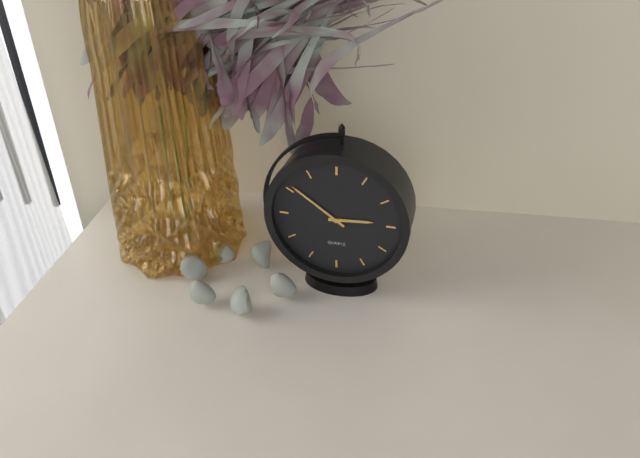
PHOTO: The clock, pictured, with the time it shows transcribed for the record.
2:51
